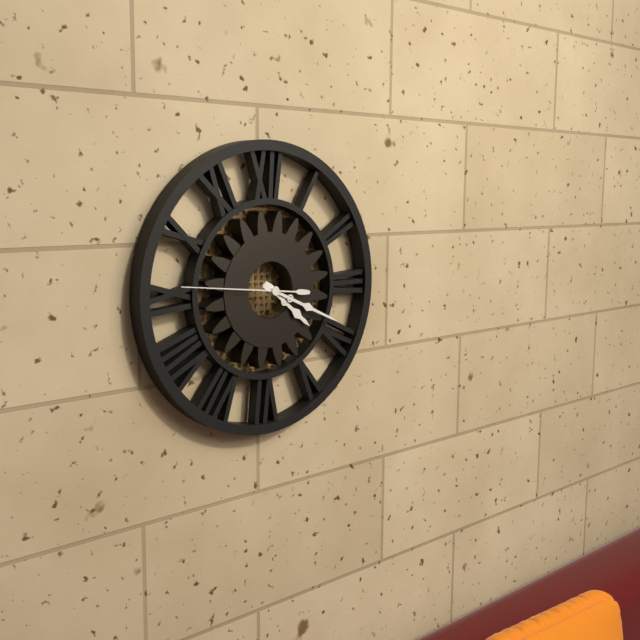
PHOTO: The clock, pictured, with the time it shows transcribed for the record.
4:19:46
